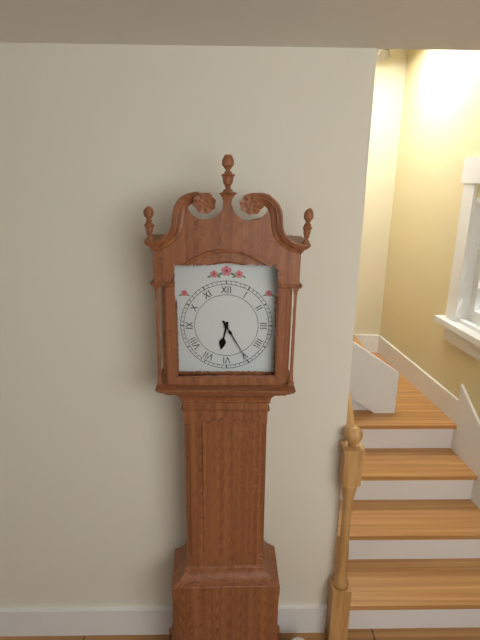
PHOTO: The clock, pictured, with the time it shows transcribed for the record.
6:25
